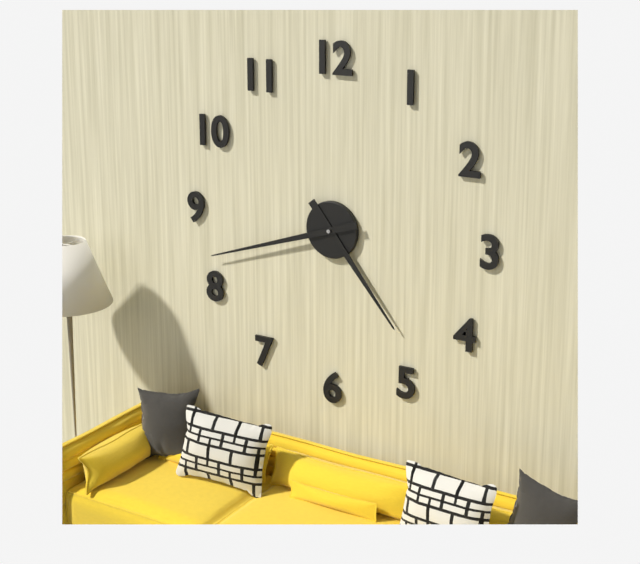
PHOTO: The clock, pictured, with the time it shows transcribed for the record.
4:42
